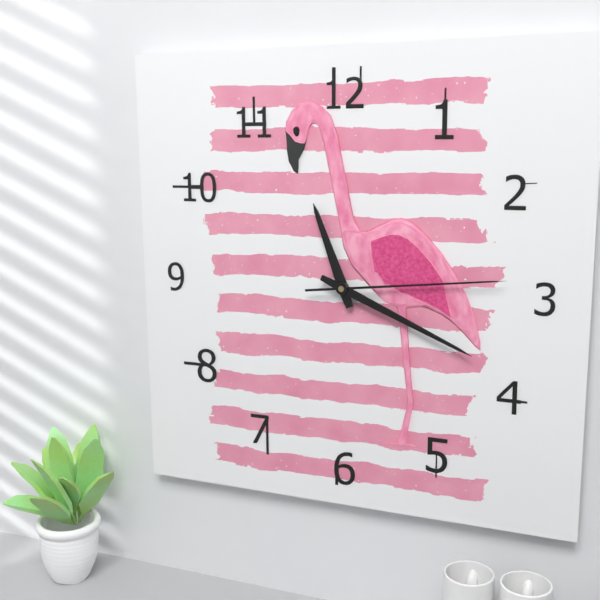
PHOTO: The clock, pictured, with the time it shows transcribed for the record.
11:19:14
